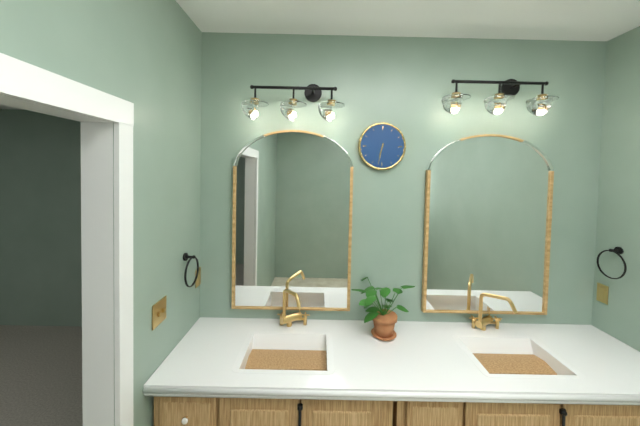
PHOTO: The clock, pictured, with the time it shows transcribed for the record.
6:32
